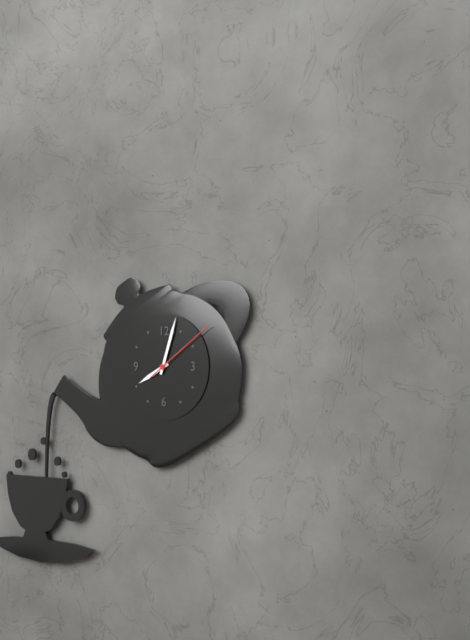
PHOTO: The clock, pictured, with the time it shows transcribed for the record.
8:03:09
